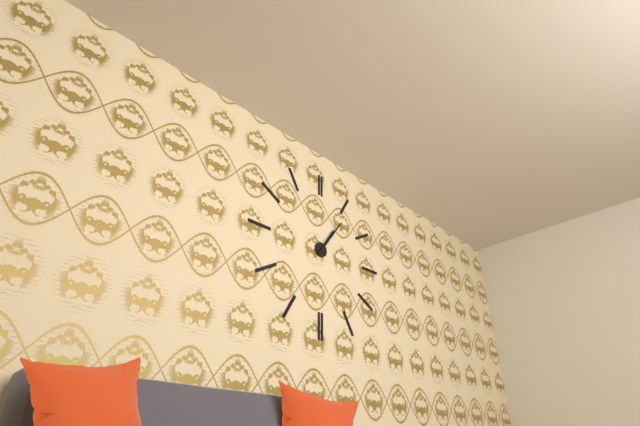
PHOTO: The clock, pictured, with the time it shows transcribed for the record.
1:06
